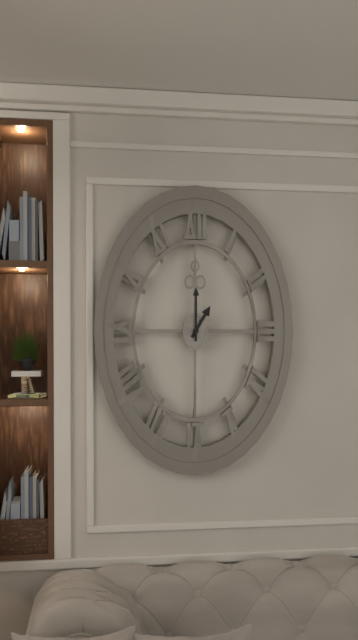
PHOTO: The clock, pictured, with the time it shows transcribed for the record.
1:00
